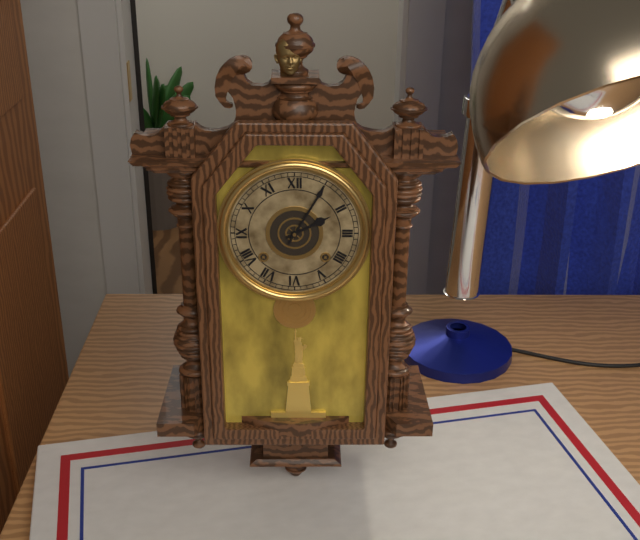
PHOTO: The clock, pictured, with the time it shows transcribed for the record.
2:05
